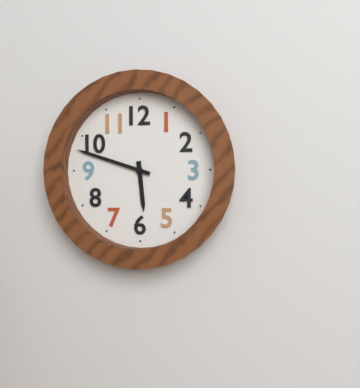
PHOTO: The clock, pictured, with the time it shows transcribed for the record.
5:48
